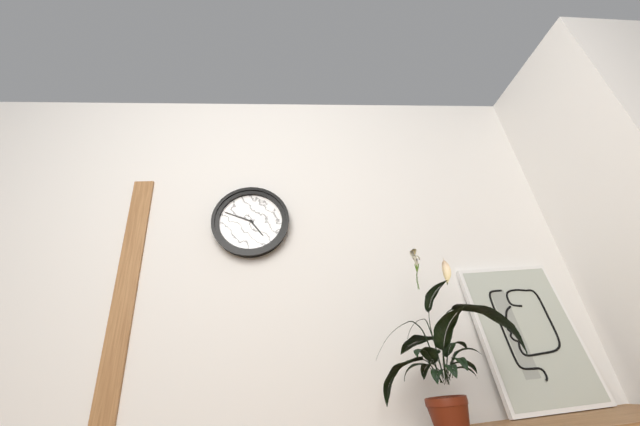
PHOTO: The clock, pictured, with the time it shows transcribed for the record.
4:49
